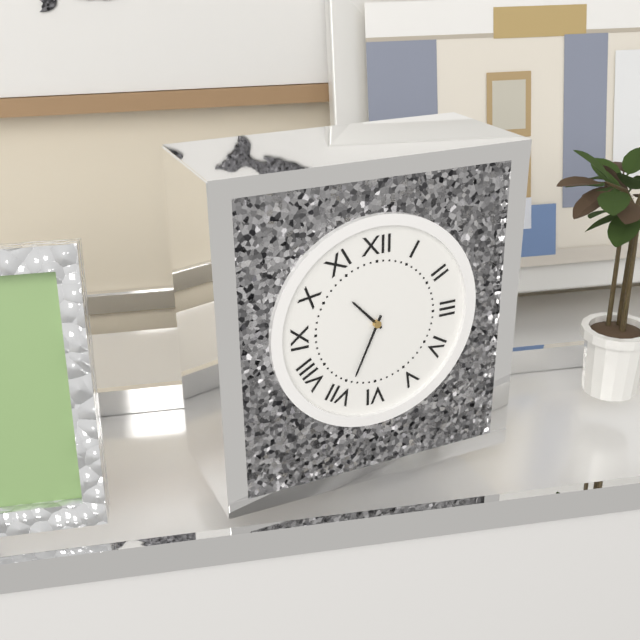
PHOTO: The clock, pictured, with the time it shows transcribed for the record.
10:34
